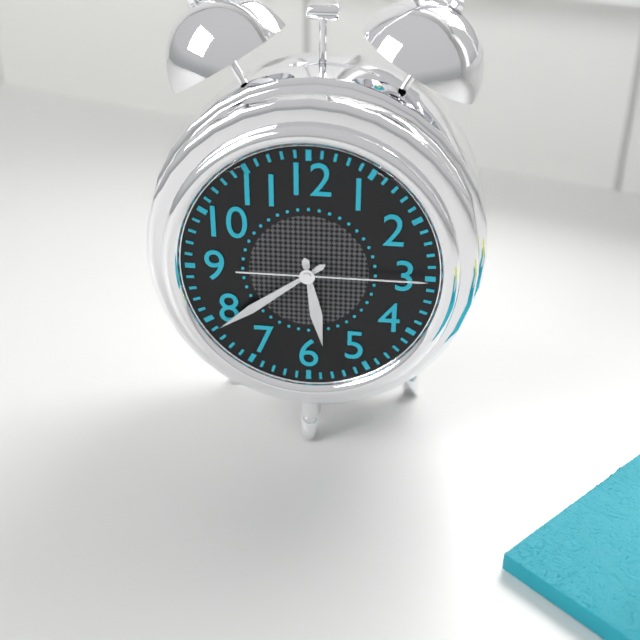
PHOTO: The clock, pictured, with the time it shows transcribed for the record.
5:39:15
